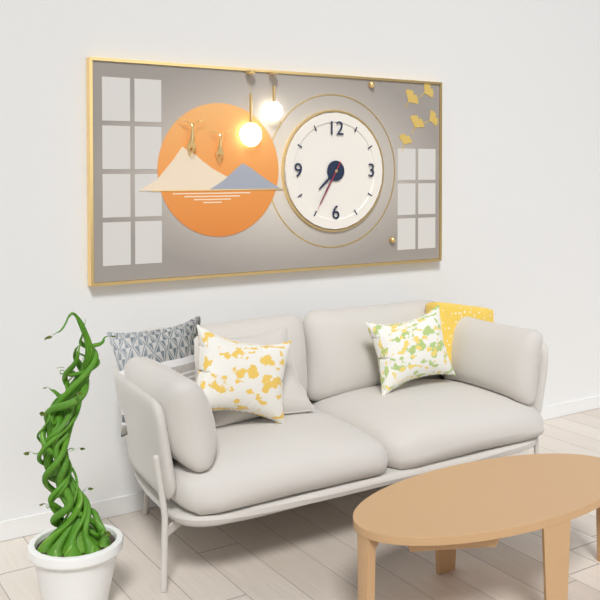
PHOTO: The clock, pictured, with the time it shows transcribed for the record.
7:35:35
